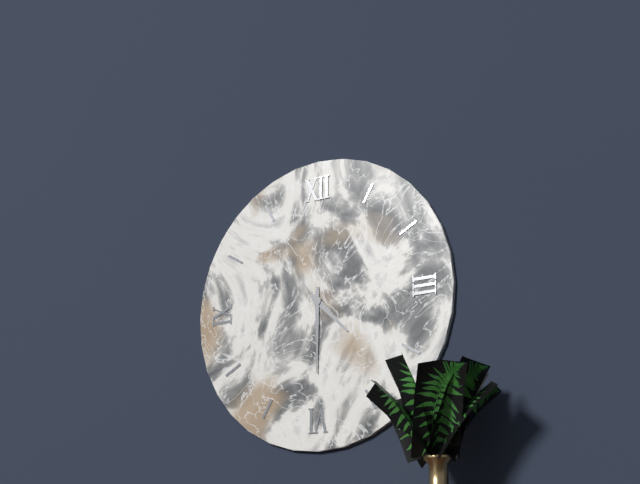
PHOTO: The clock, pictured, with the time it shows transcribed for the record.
4:30
